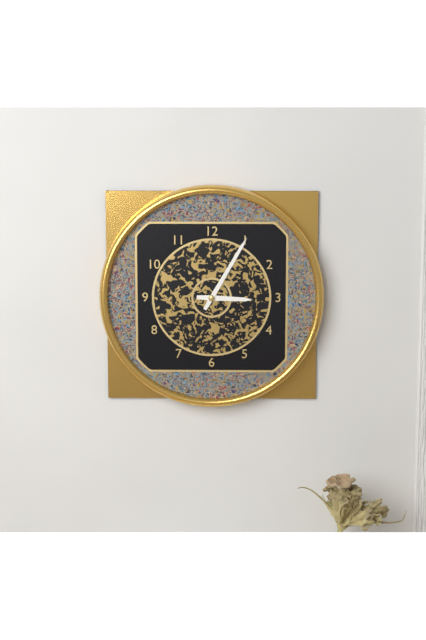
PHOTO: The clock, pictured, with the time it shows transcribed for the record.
3:05
